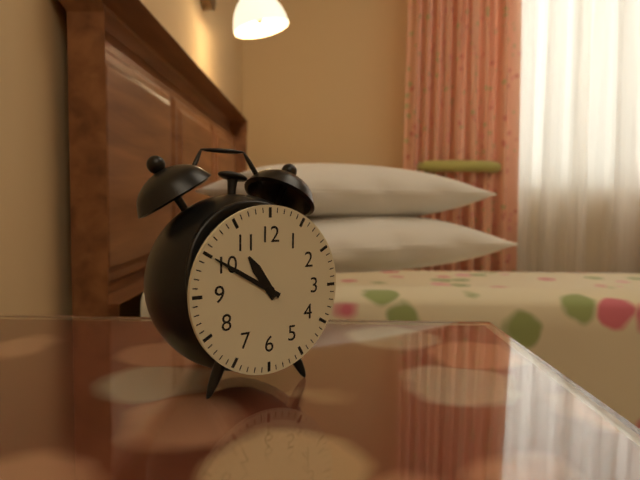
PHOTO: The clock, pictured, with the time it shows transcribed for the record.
10:50
